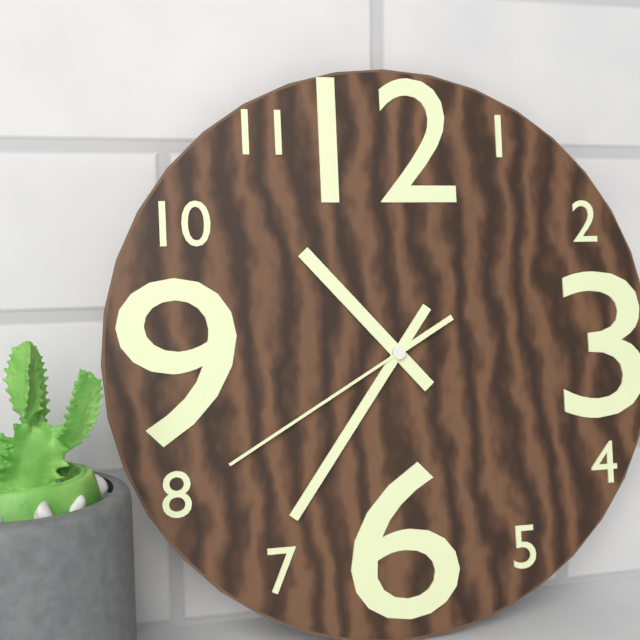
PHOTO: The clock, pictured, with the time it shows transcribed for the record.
10:36:40
